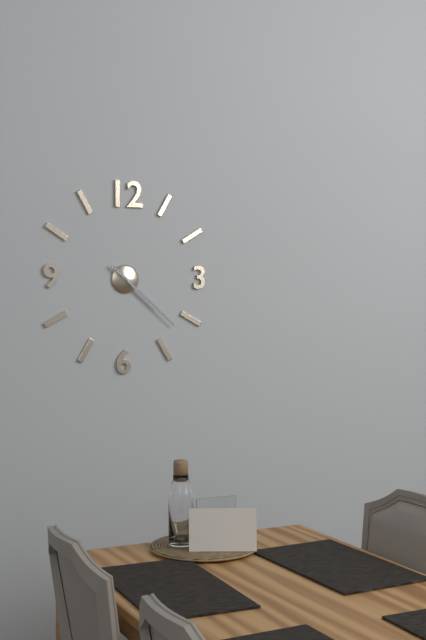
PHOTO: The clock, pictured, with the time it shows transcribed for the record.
4:22
